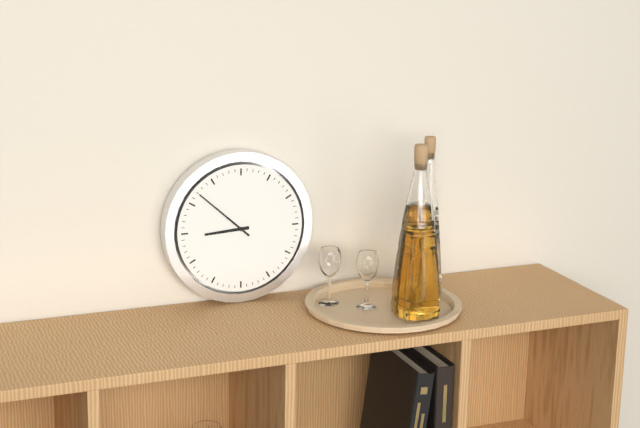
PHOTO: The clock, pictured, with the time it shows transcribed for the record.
8:52
